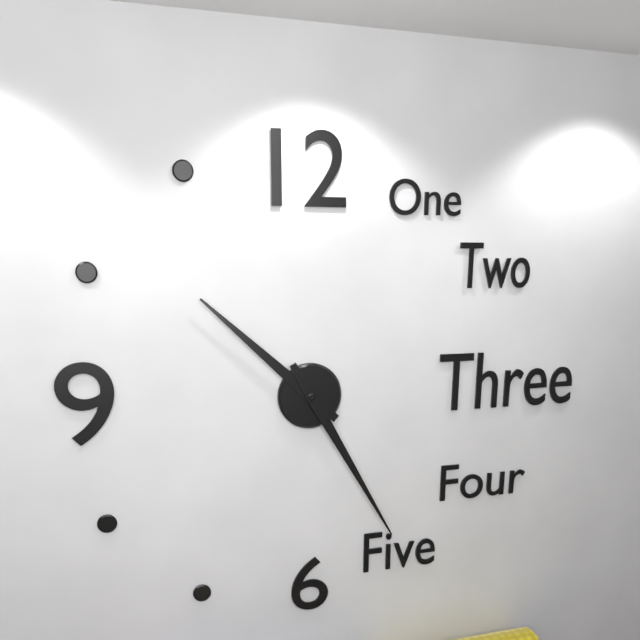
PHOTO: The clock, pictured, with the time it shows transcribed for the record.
10:25
